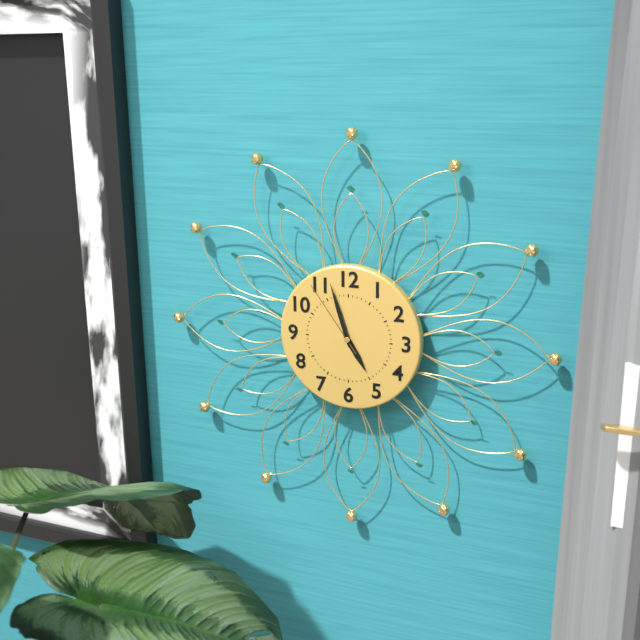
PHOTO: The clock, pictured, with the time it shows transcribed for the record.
4:57:54
